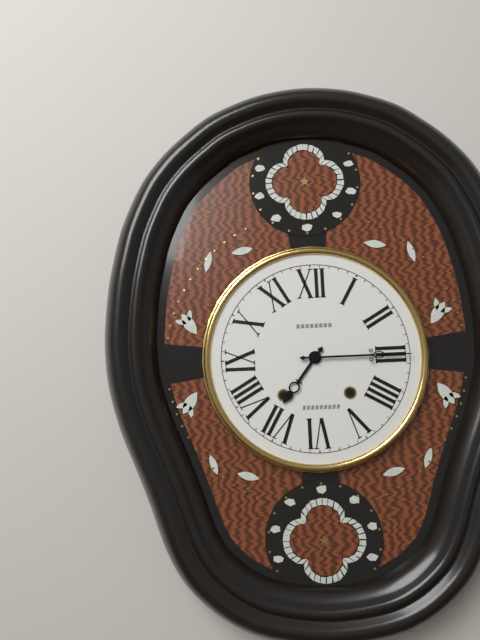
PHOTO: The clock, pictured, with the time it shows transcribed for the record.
7:15
